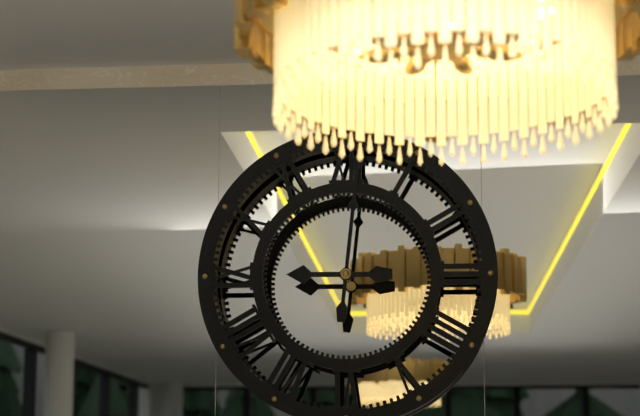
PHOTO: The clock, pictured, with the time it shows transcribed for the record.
9:01
